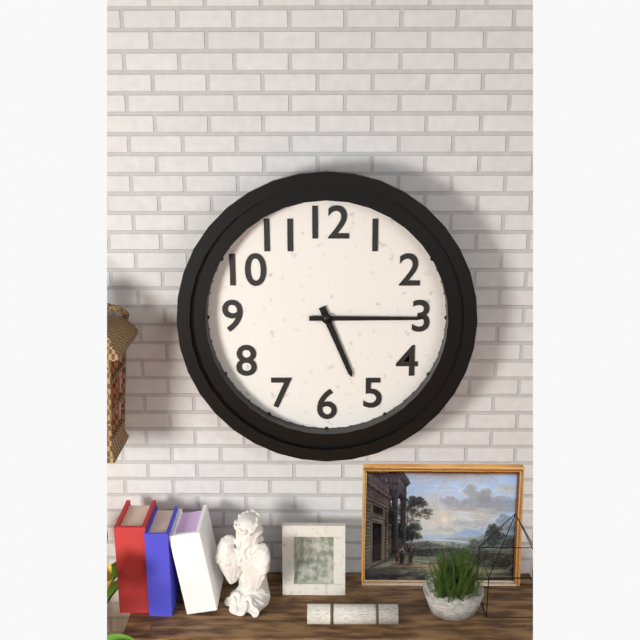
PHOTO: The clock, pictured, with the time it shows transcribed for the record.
5:15
